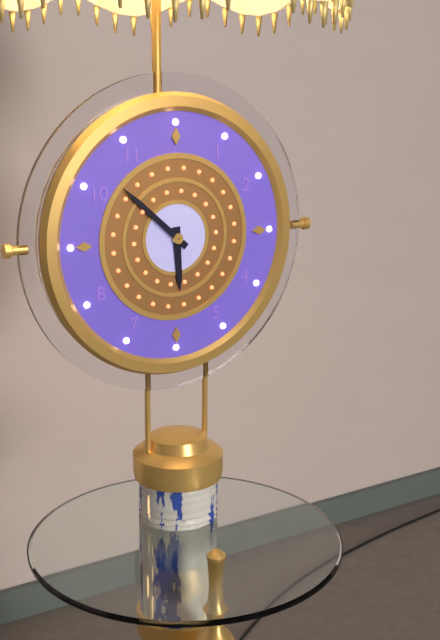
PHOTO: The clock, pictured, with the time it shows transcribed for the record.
5:52
